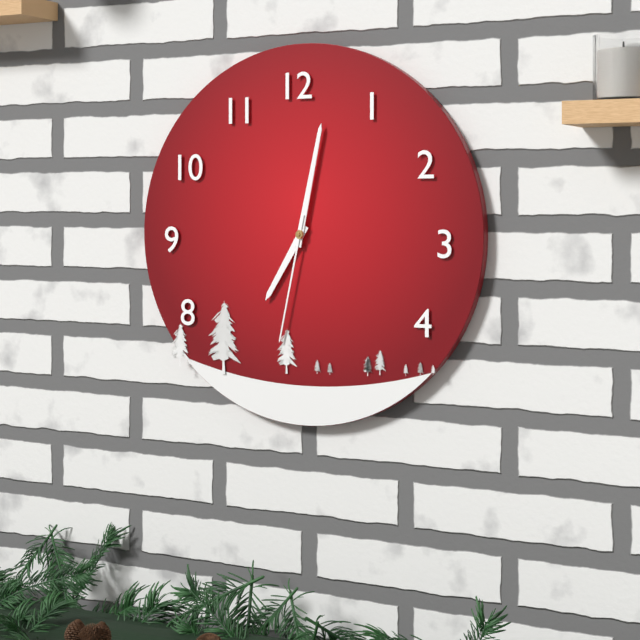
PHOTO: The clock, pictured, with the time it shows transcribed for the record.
7:02:32
